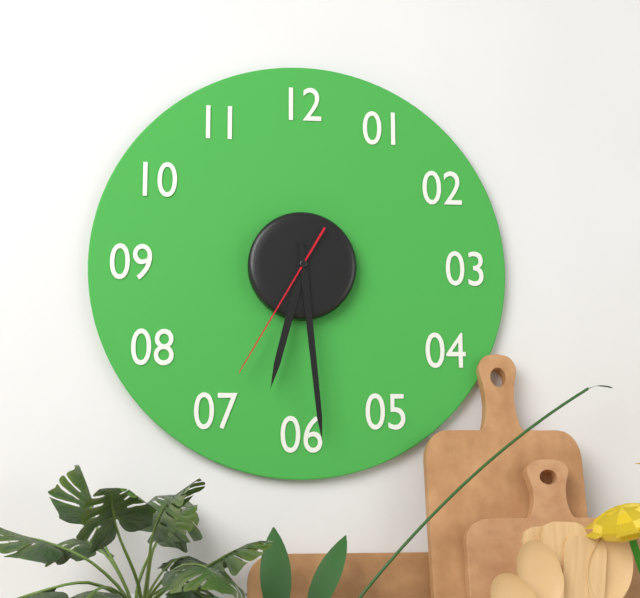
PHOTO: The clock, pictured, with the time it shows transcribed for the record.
6:29:35
